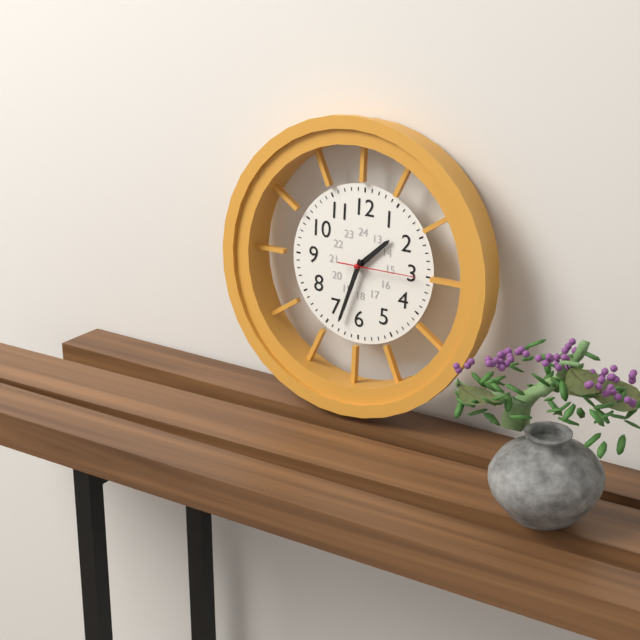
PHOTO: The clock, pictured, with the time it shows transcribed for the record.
1:33:15
